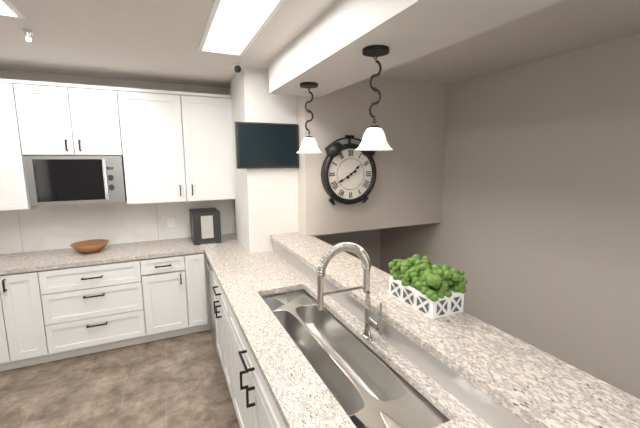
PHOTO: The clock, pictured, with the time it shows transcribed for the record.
1:40
